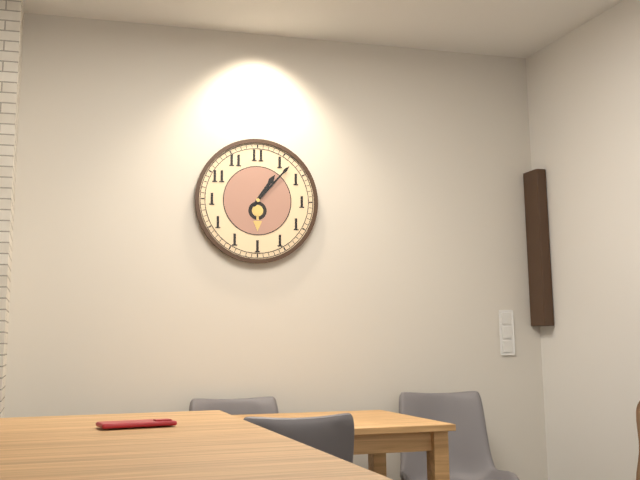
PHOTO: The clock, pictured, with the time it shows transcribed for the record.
1:07
